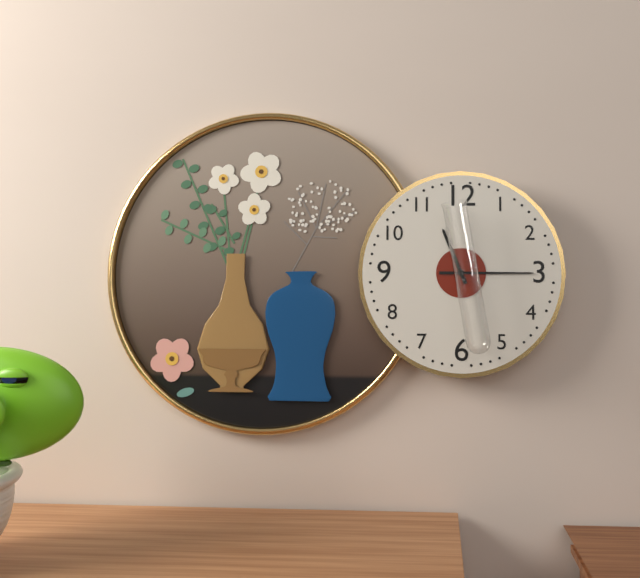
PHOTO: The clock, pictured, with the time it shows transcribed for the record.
11:15
